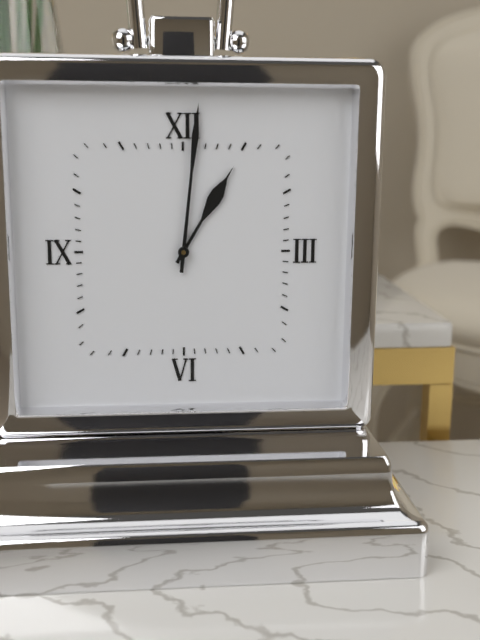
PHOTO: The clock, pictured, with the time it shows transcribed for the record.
1:01
